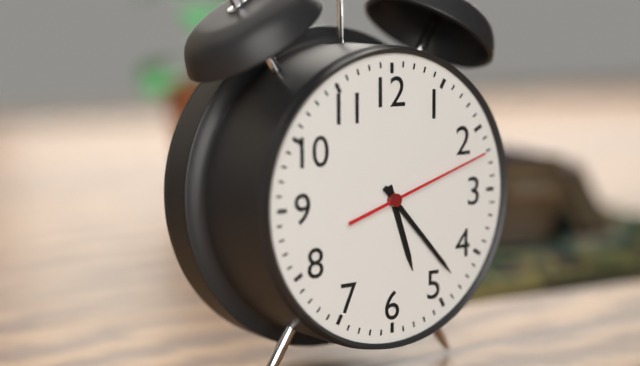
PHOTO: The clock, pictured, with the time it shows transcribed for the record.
5:23:12
